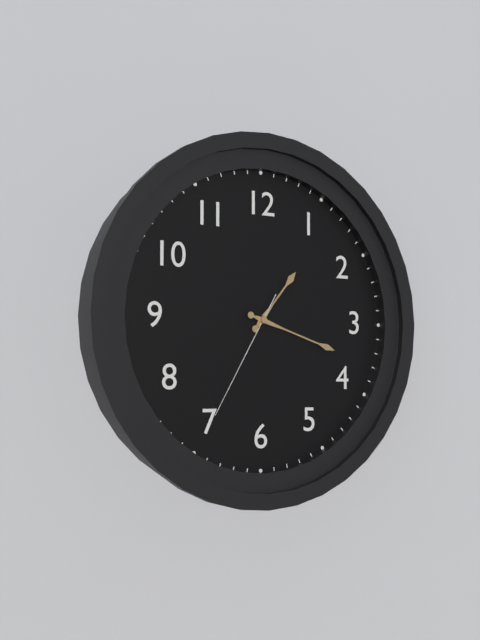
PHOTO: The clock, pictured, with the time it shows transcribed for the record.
1:18:35
